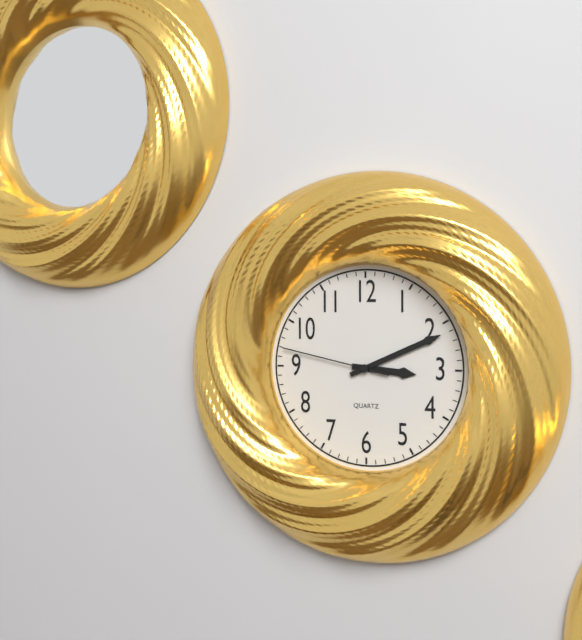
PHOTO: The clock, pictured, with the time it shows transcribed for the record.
3:11:47
